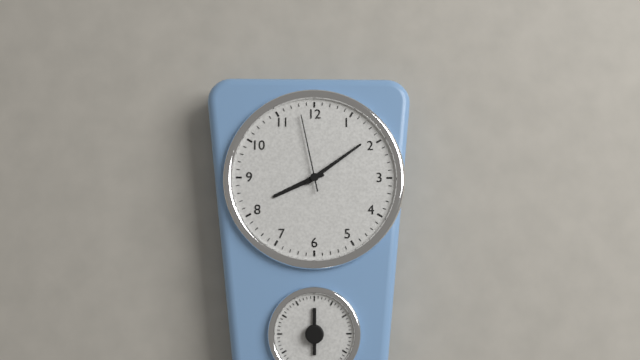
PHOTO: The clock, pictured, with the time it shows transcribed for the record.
8:09:58
